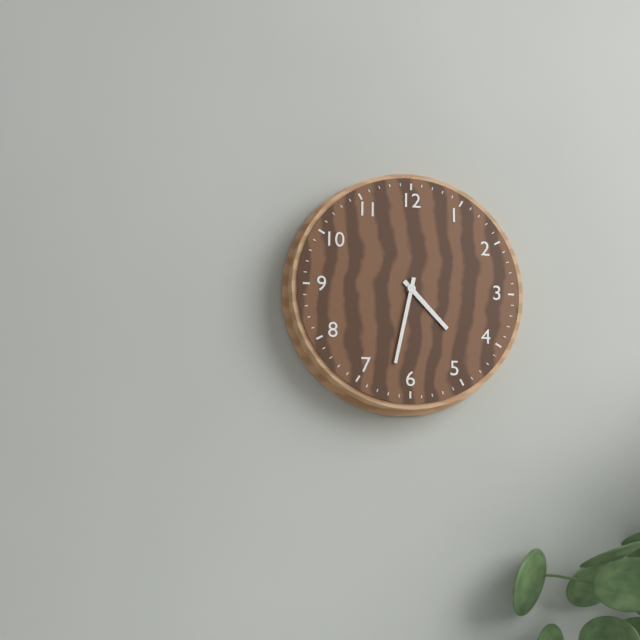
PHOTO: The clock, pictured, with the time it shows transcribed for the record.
4:32
